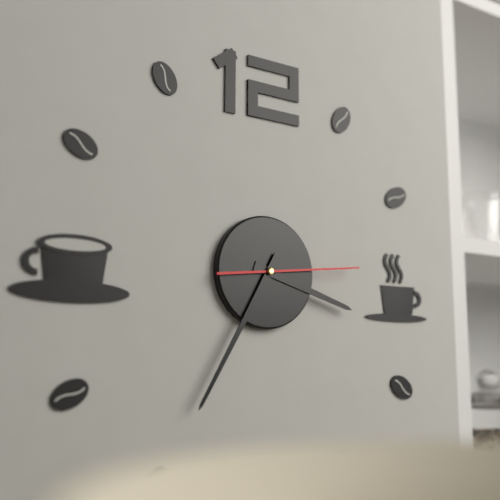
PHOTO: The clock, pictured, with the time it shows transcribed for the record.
3:35:14
